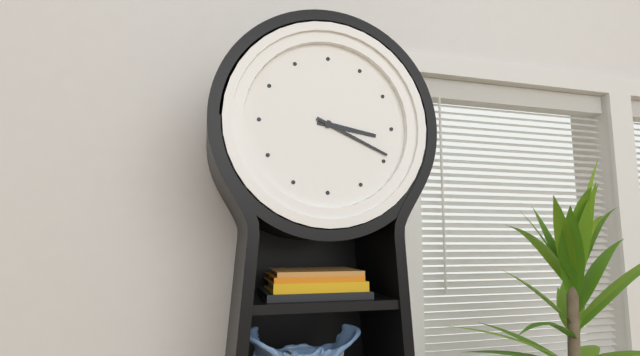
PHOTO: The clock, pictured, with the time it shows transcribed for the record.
3:19
